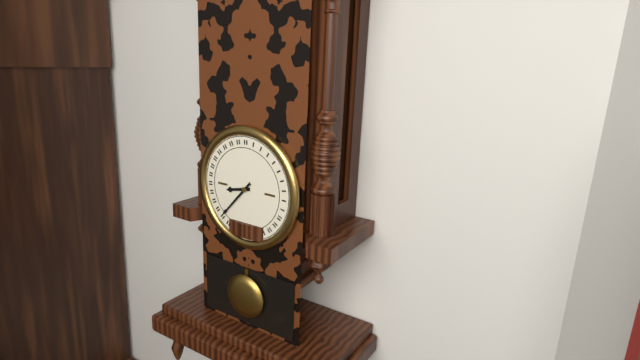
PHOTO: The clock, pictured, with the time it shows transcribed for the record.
8:37
